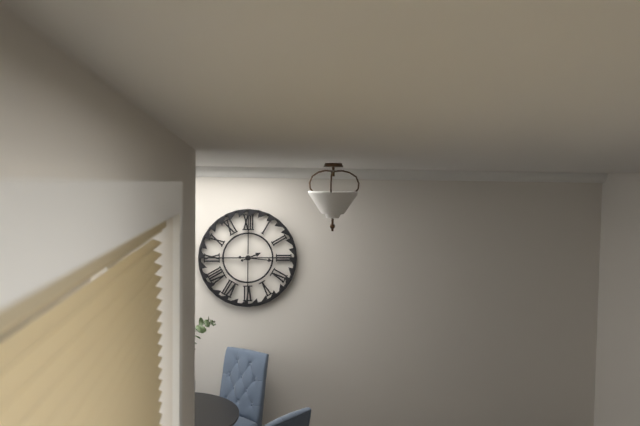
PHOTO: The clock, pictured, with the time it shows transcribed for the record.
2:16
